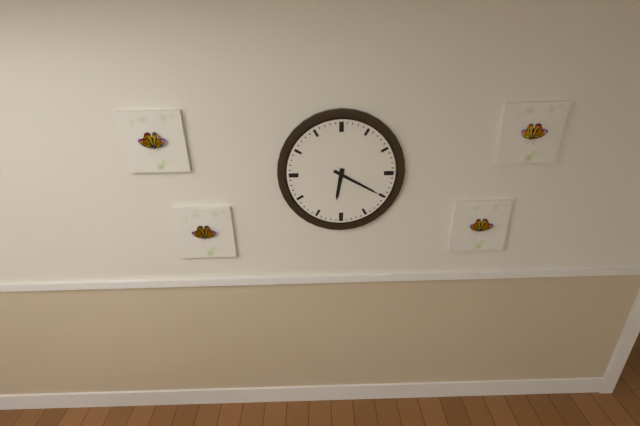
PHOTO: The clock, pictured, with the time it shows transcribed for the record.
6:20
